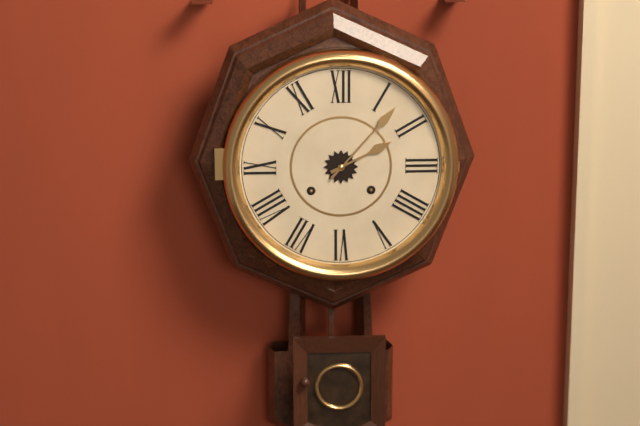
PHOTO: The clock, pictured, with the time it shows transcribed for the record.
2:07
